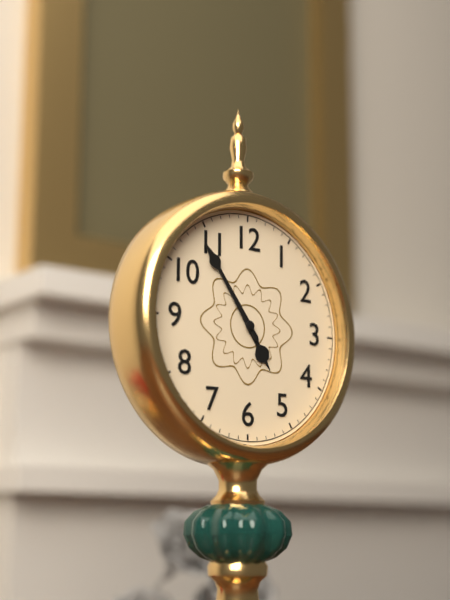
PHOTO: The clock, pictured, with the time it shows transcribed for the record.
4:54
